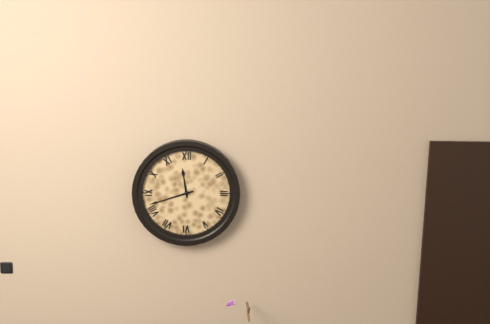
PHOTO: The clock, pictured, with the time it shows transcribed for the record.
11:42
